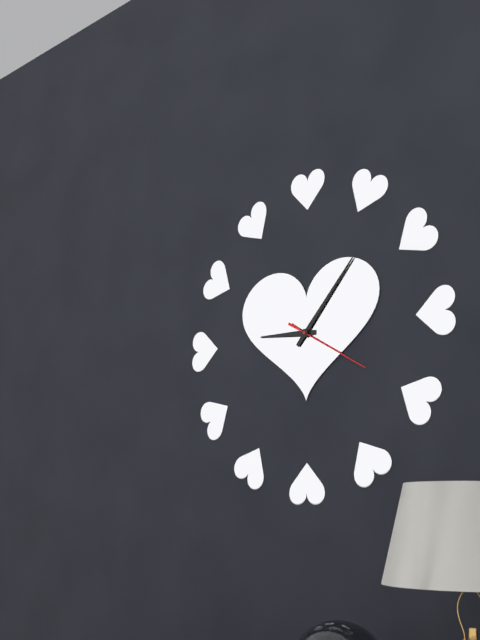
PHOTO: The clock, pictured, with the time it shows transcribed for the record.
9:07:20
